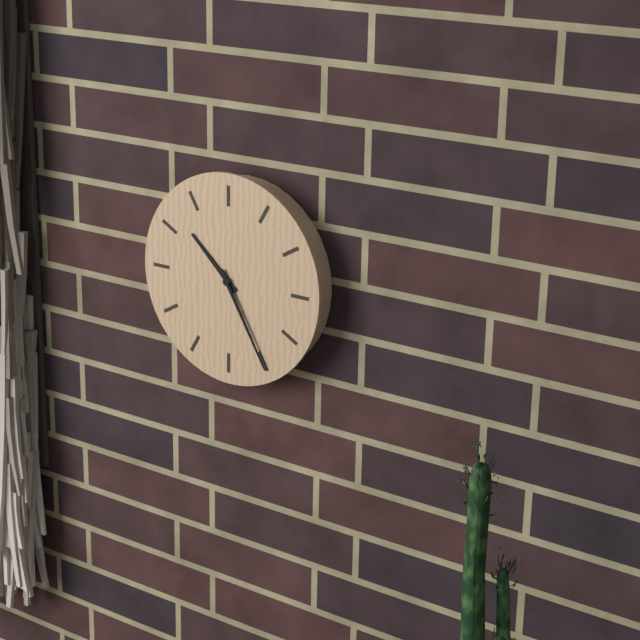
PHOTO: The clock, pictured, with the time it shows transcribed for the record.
10:25
